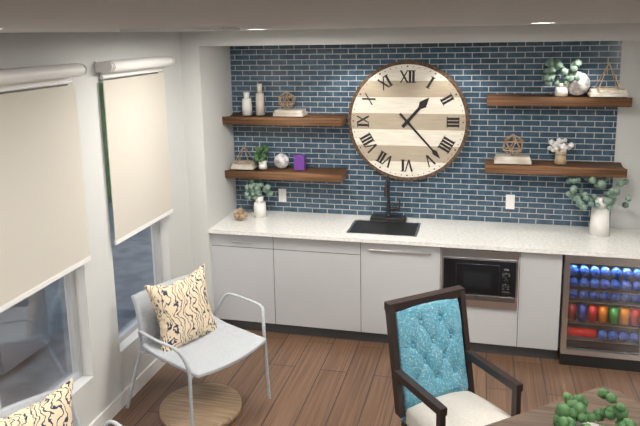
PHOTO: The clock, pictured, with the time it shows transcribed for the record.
1:23
